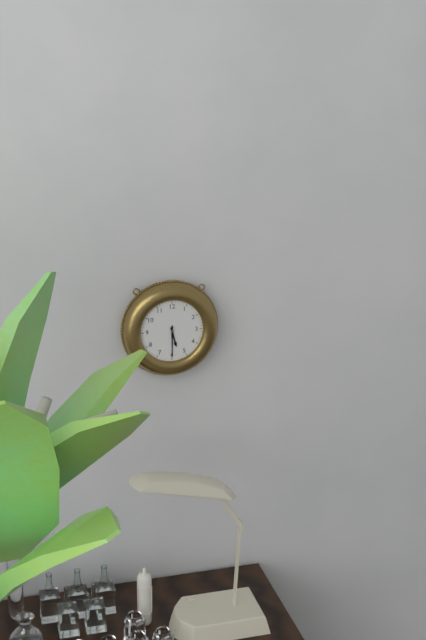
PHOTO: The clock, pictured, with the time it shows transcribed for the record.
5:30
